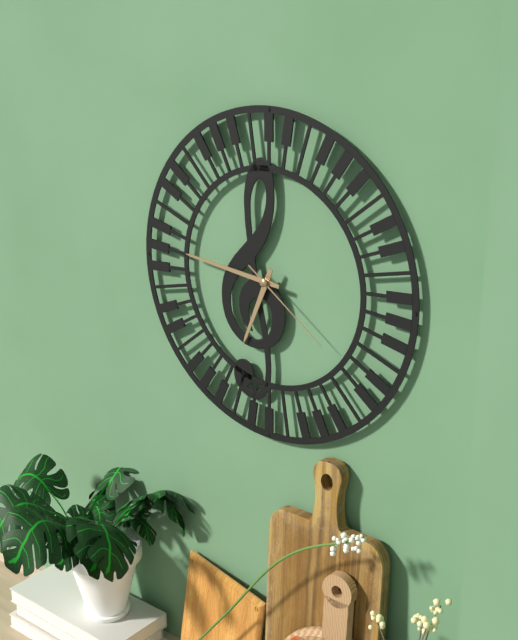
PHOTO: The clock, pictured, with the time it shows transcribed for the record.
6:46:21
